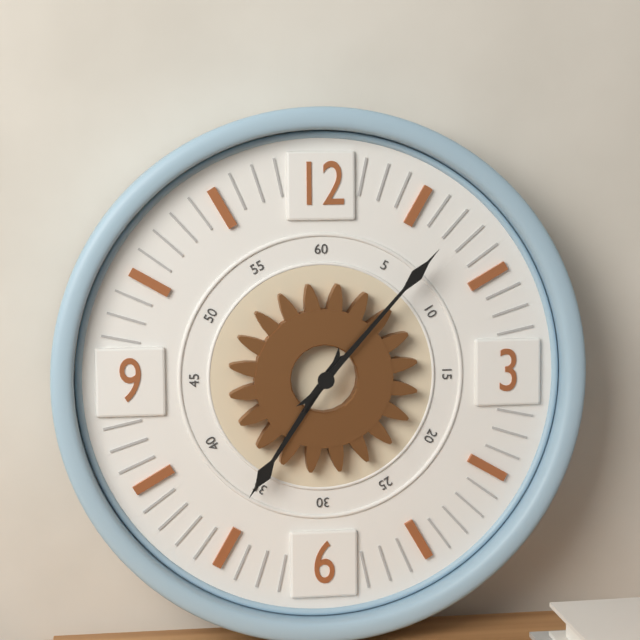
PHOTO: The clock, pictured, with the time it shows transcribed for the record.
7:07
